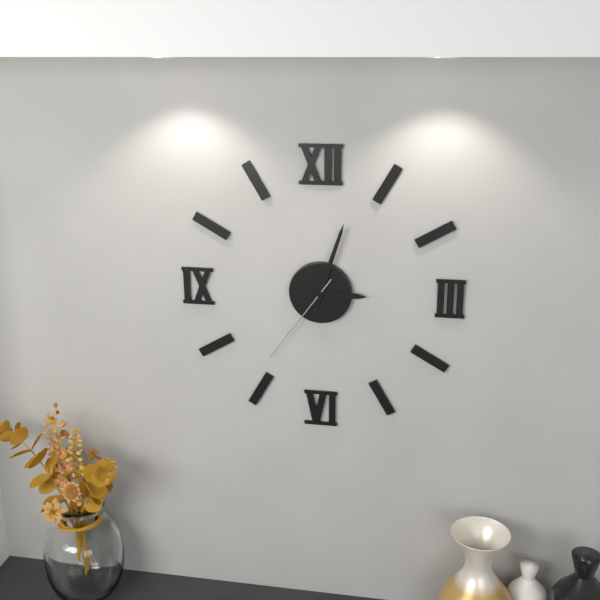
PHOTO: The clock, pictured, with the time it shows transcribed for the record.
3:03:36
